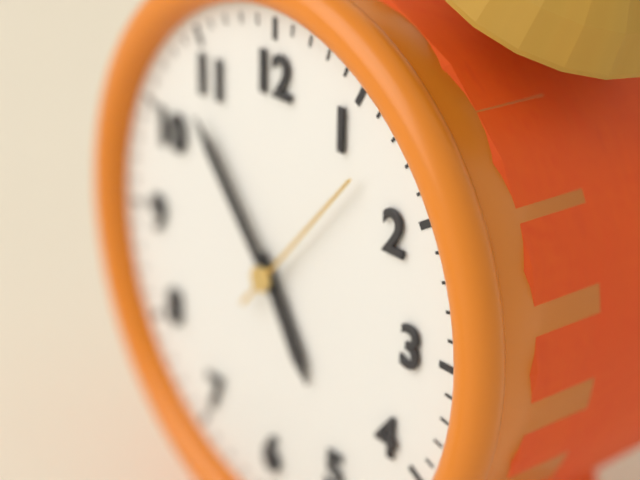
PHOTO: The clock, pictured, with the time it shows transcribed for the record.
4:53:07
